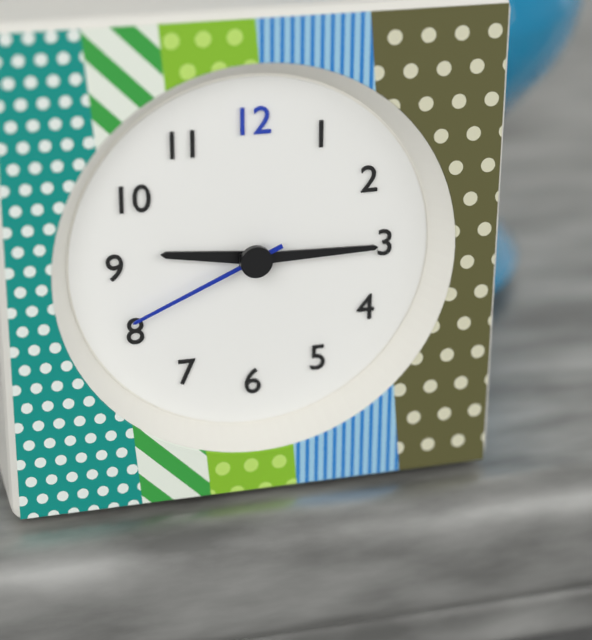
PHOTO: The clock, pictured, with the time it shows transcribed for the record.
9:15:41
